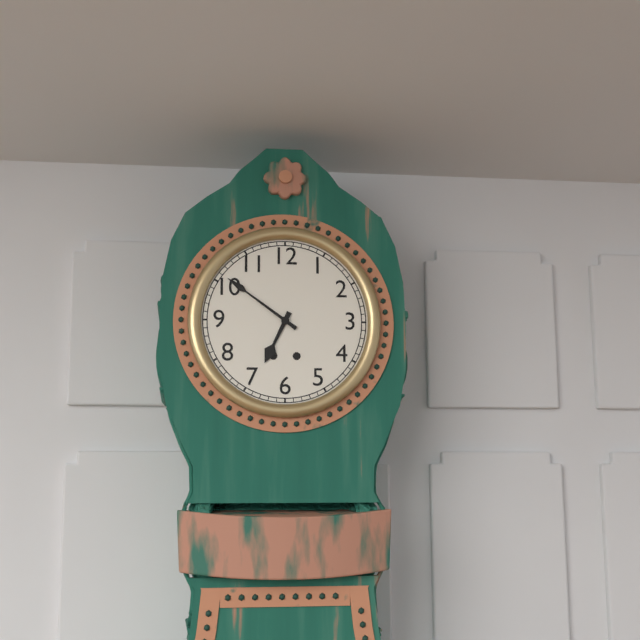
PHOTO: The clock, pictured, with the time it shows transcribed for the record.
6:51
